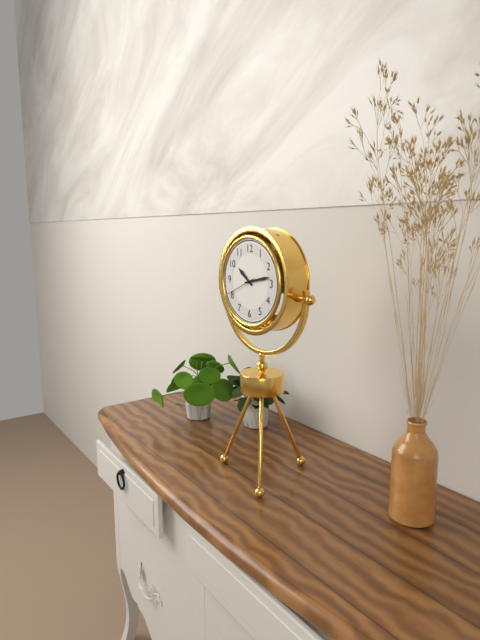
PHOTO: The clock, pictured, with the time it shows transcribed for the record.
10:13
